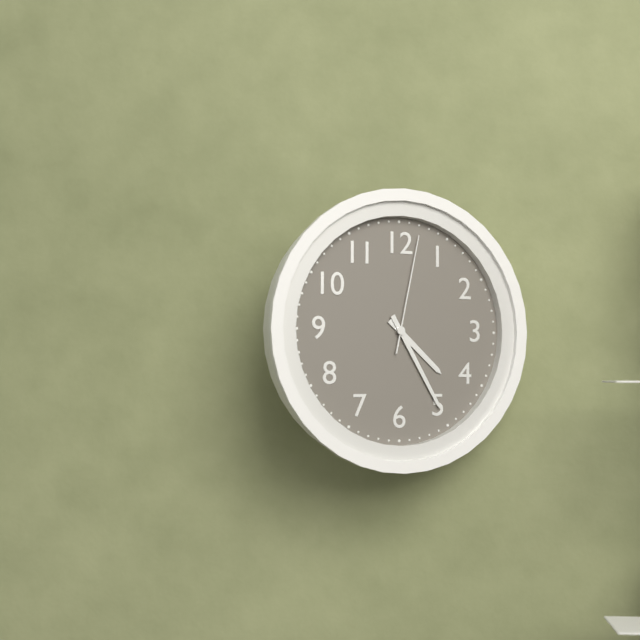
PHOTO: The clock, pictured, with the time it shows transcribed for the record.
4:25:02
